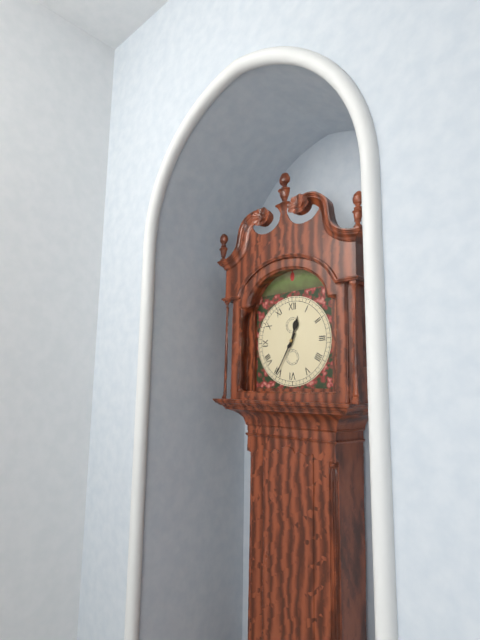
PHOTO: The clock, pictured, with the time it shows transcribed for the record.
12:35
